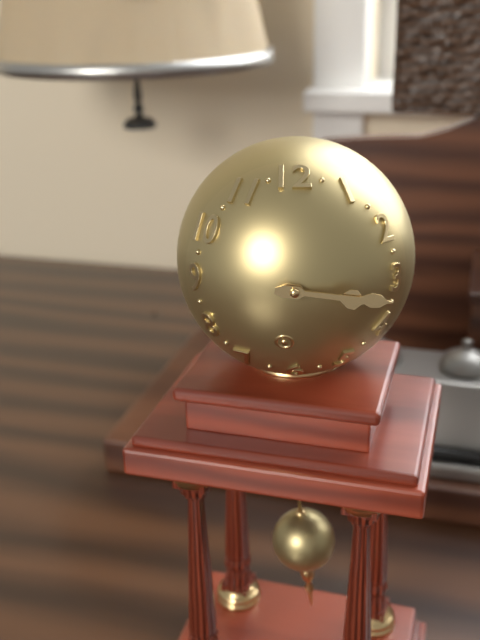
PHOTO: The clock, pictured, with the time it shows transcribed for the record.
3:16
